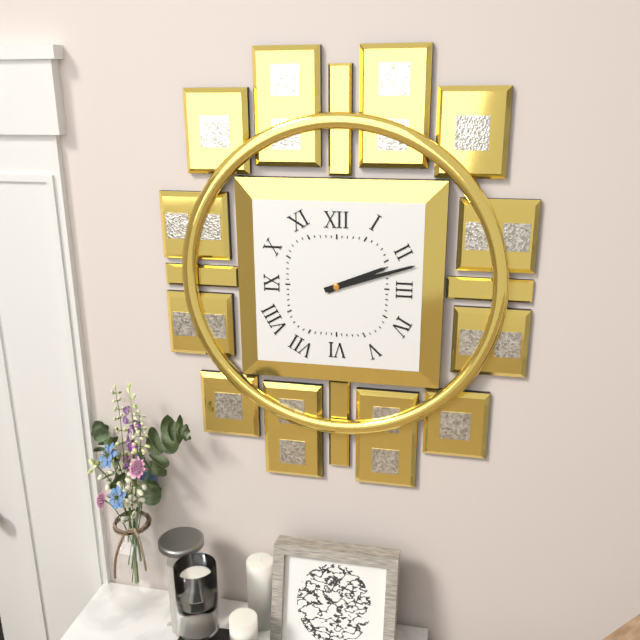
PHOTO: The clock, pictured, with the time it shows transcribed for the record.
2:12
